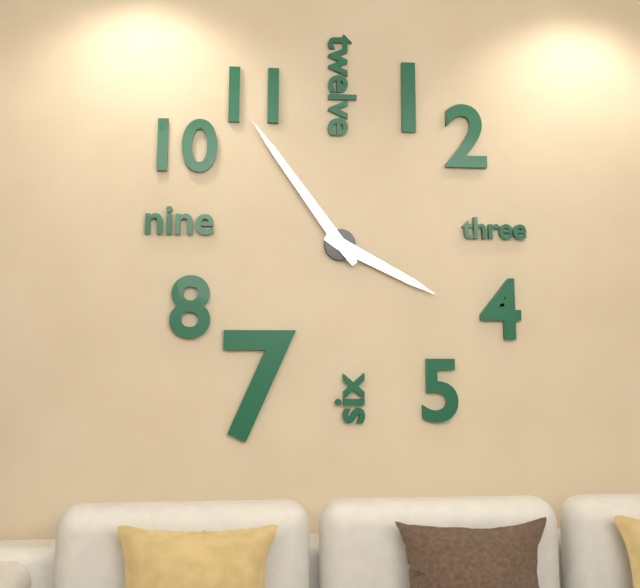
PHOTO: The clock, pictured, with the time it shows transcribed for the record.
3:54
